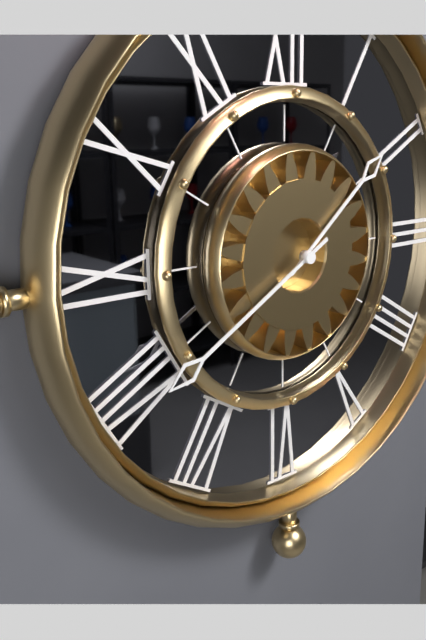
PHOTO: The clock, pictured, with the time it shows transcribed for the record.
1:40
